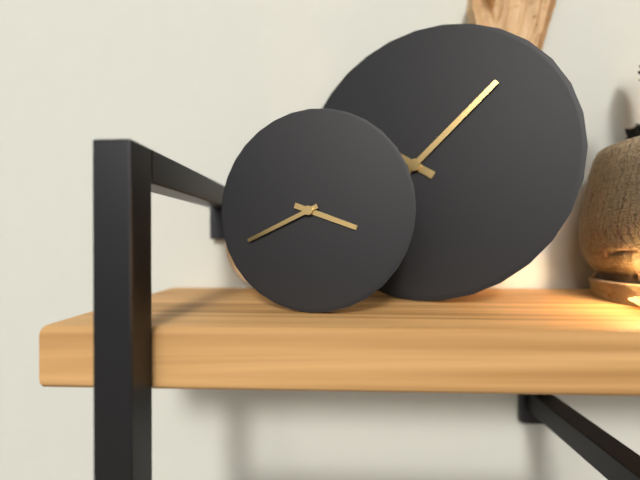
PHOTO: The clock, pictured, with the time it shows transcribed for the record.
3:41
